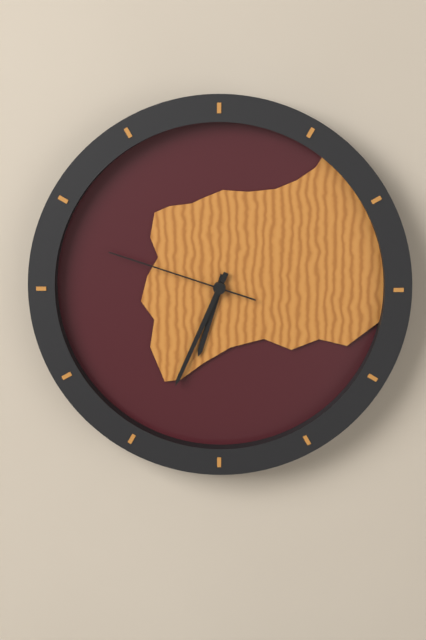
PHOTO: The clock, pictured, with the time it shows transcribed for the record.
6:34:48
